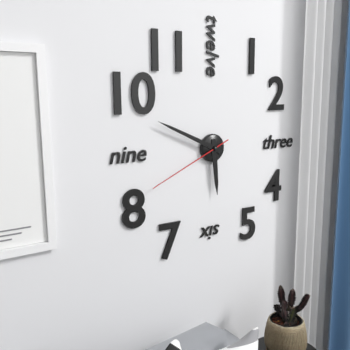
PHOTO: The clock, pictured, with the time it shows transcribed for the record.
5:49:41
